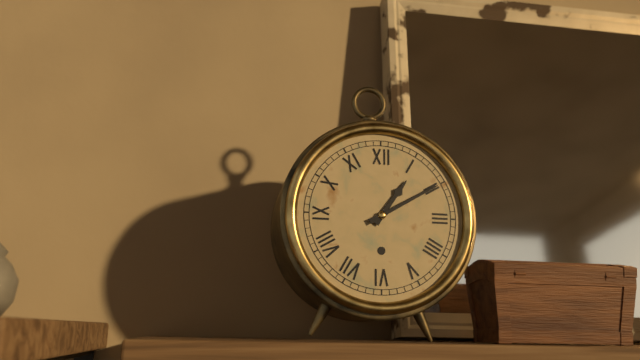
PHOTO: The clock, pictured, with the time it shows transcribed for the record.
1:10
